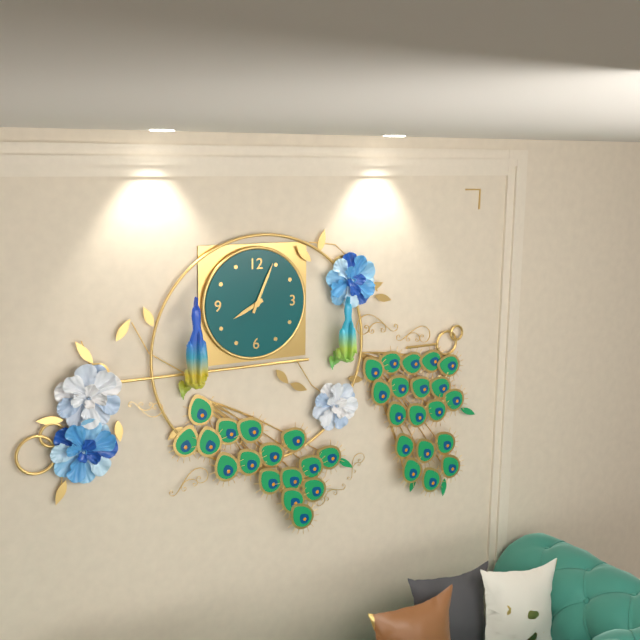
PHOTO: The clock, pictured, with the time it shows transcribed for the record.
8:04
